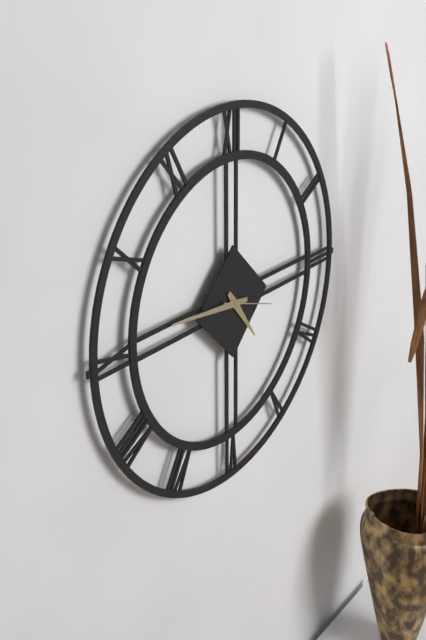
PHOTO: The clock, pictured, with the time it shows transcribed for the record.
4:46:18
